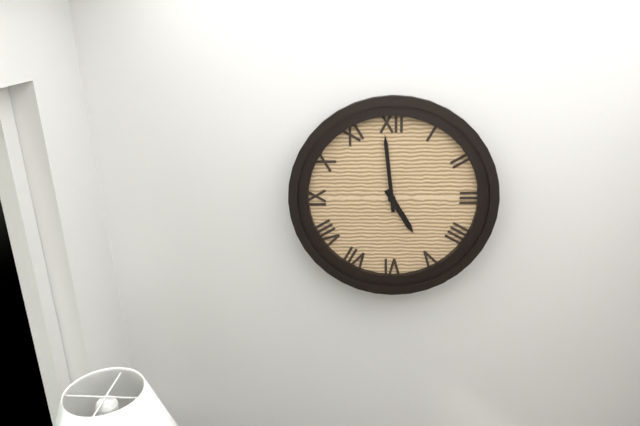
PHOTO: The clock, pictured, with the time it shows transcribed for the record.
4:59
